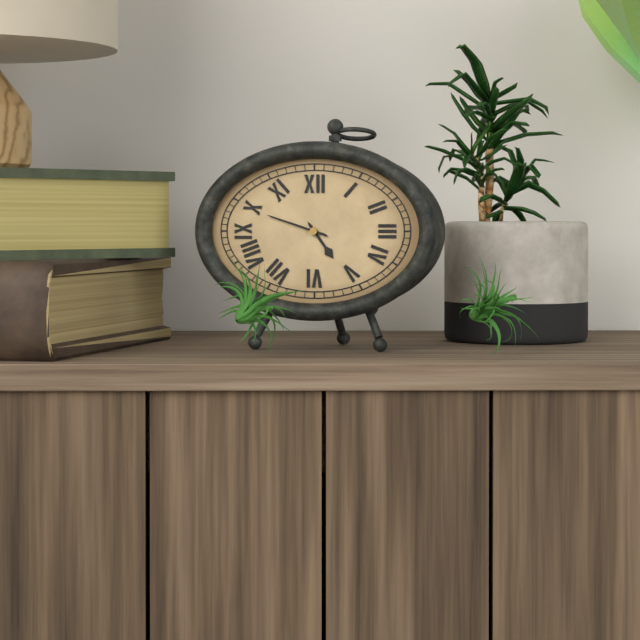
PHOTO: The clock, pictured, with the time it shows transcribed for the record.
4:48
